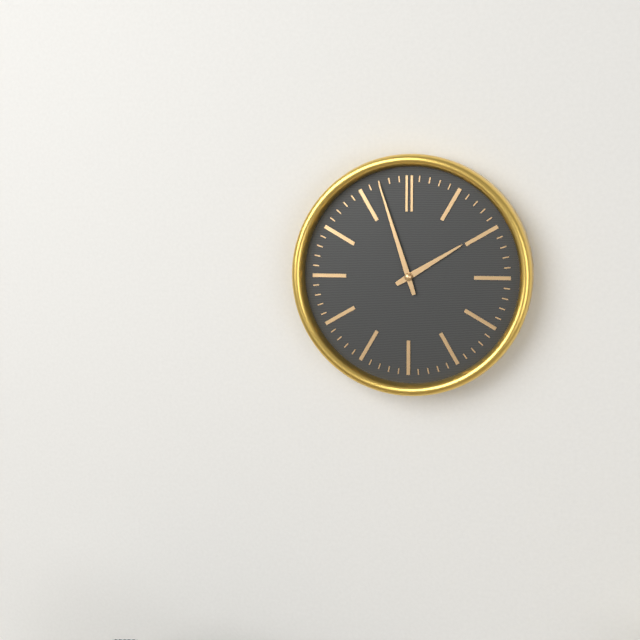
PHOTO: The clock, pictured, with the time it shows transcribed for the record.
1:57
